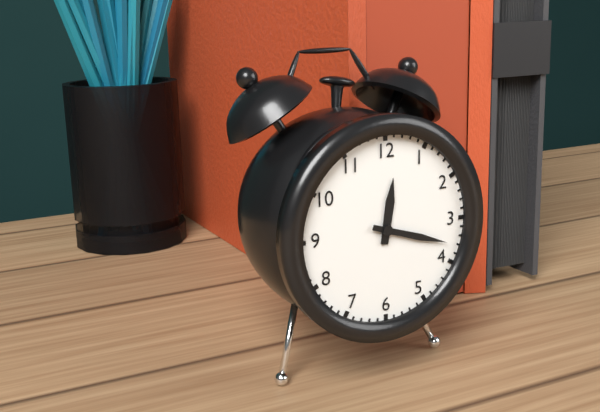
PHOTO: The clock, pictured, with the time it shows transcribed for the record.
12:18
